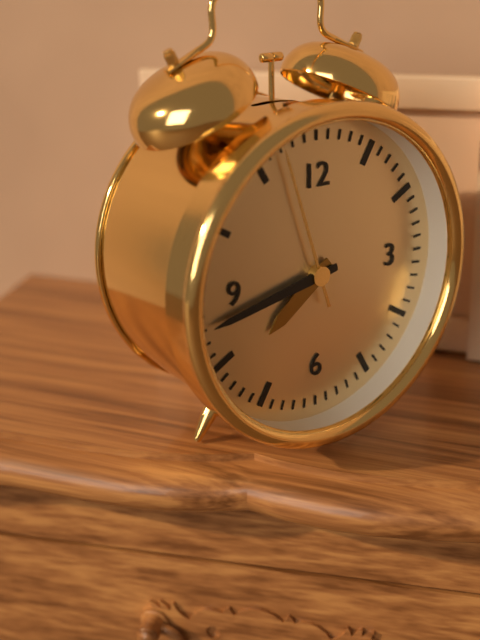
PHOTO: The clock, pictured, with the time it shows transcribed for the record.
7:43:57
